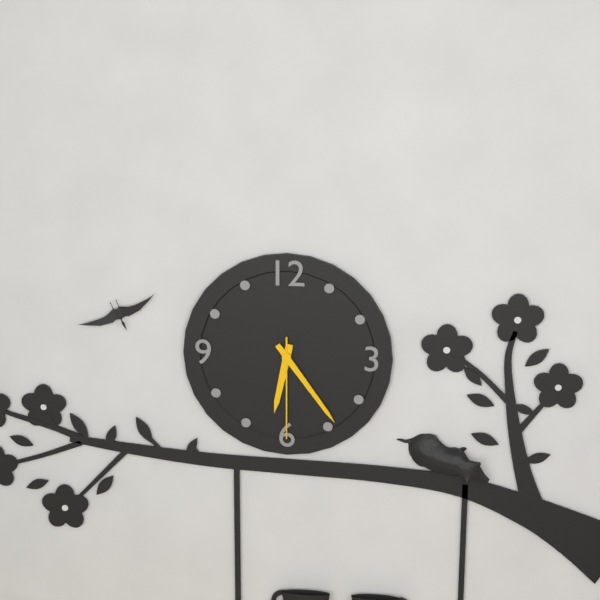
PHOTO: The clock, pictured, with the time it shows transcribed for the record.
6:24:30
